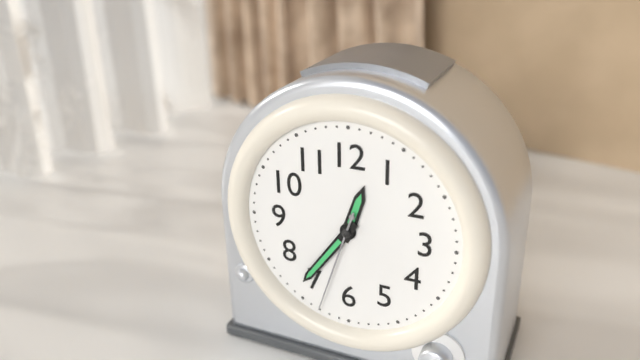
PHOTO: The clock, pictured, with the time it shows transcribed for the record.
12:36:33
